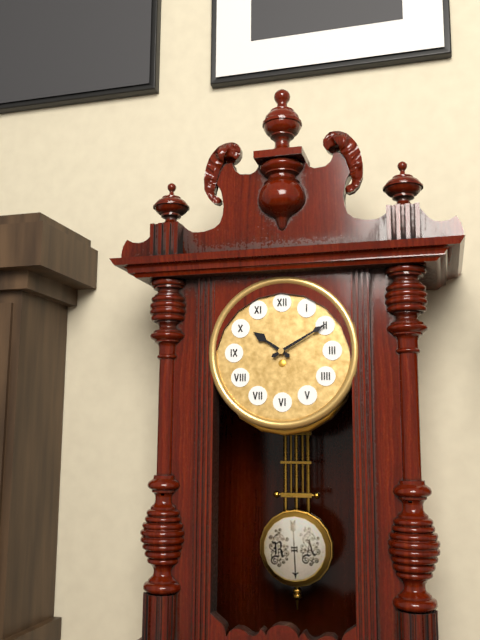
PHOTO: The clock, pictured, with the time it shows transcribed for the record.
10:10
